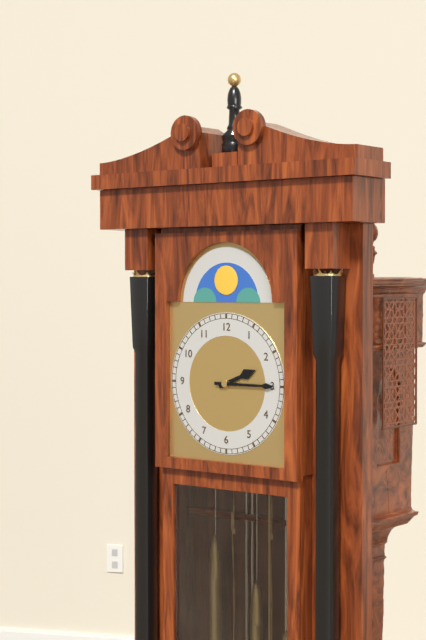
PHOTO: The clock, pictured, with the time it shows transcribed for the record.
2:15
